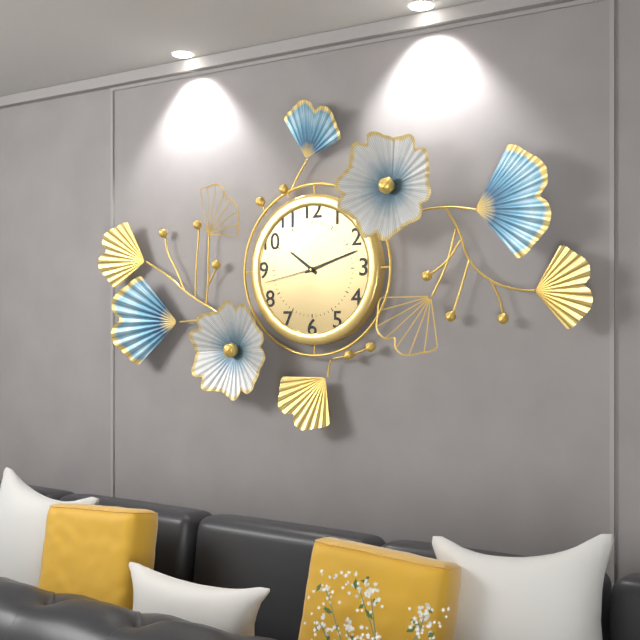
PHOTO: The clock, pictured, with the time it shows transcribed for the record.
10:12:43
